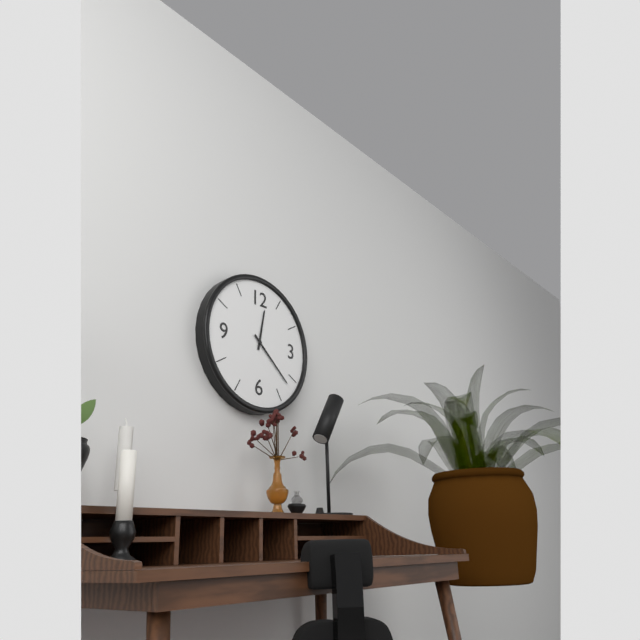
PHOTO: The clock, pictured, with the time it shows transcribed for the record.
12:22
